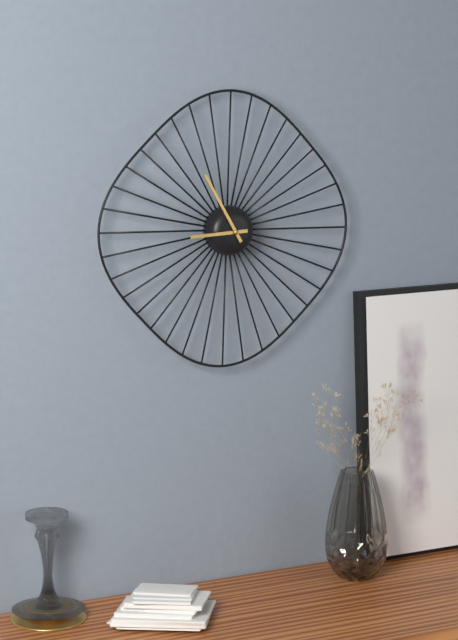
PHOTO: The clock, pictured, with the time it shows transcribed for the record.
8:55
